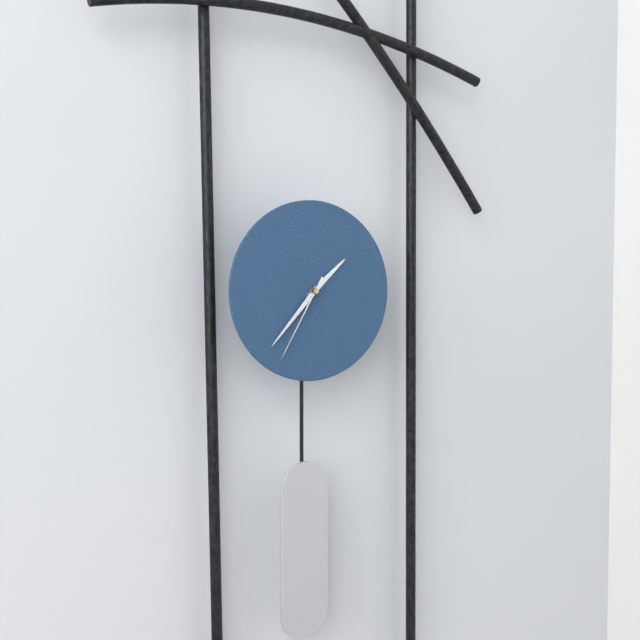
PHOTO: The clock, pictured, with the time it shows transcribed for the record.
1:37:35
